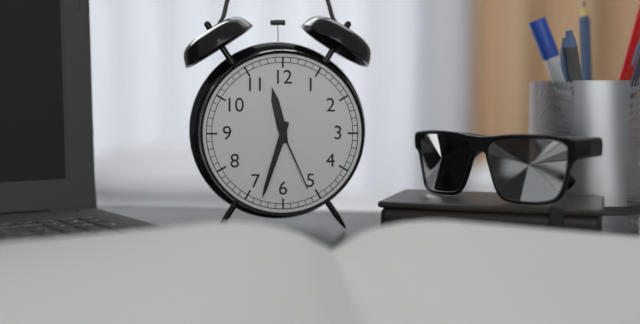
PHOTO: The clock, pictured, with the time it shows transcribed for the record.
11:33:26
